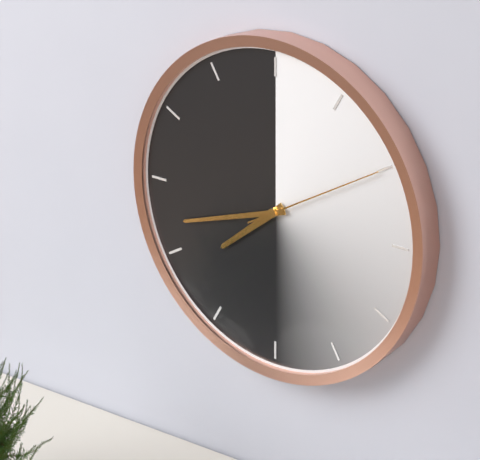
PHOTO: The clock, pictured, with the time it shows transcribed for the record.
7:42:10
